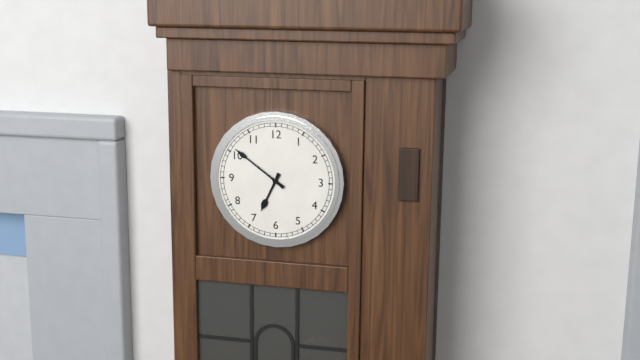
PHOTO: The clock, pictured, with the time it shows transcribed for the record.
6:51
